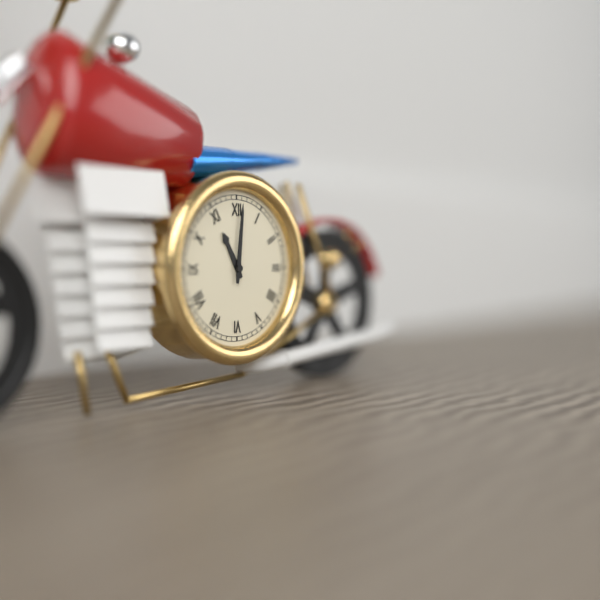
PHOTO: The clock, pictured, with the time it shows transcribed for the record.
11:01
